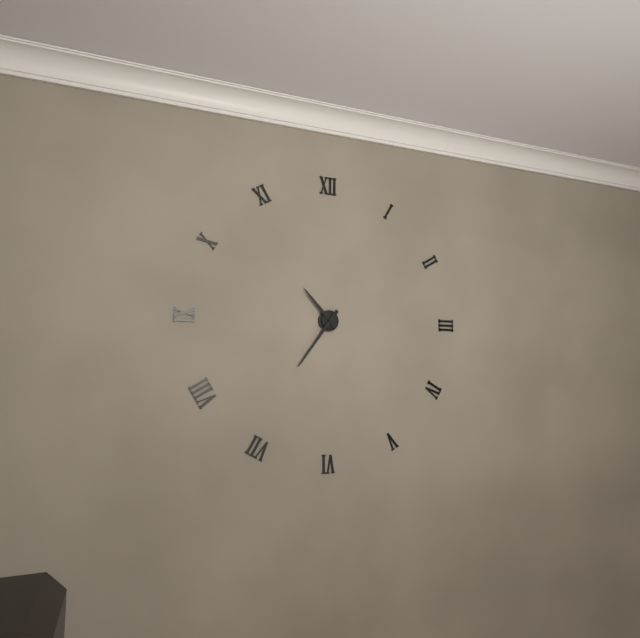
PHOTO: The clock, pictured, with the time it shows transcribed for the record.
10:36
